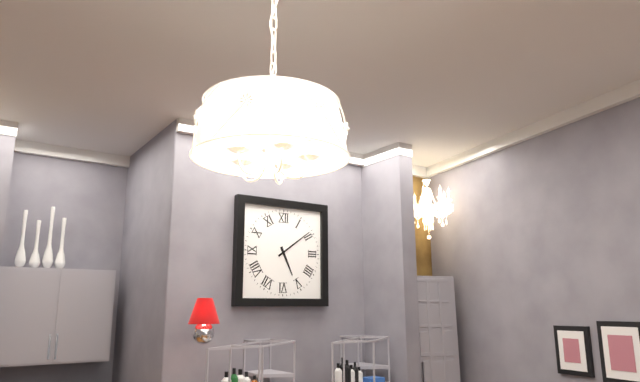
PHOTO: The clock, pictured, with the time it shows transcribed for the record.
5:09
